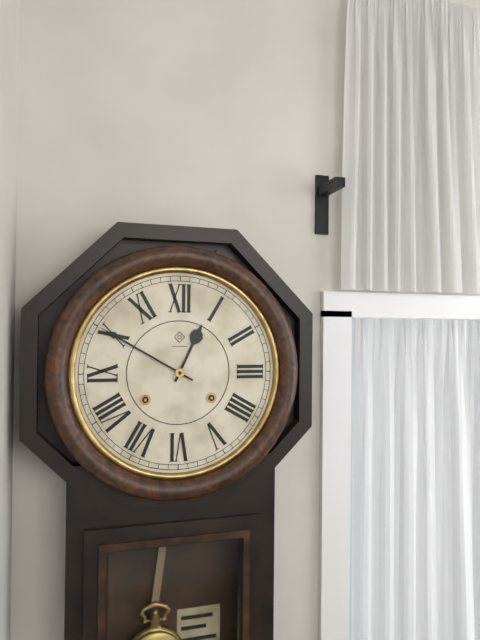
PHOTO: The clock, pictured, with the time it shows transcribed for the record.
12:50
